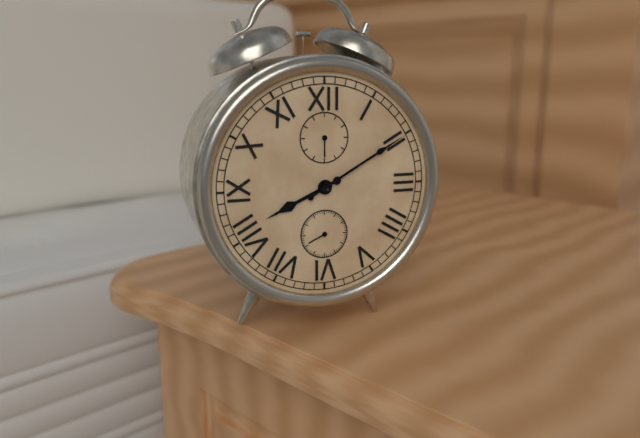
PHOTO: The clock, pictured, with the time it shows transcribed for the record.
8:10
